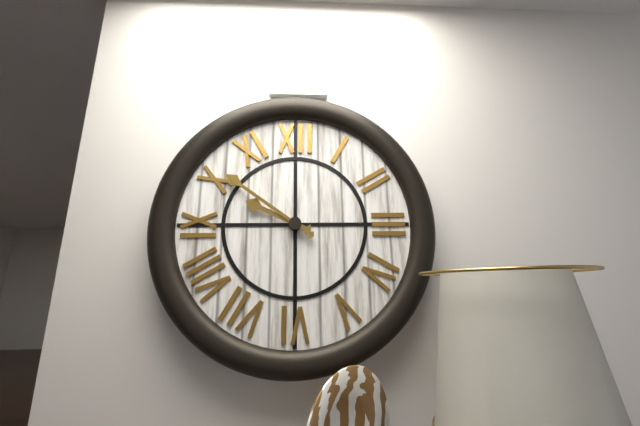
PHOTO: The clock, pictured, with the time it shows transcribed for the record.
9:51
